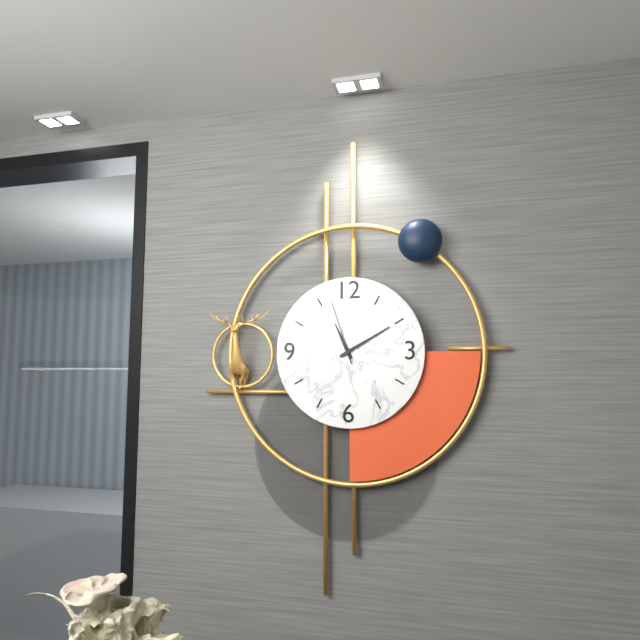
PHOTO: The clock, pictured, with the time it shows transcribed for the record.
11:10:57
